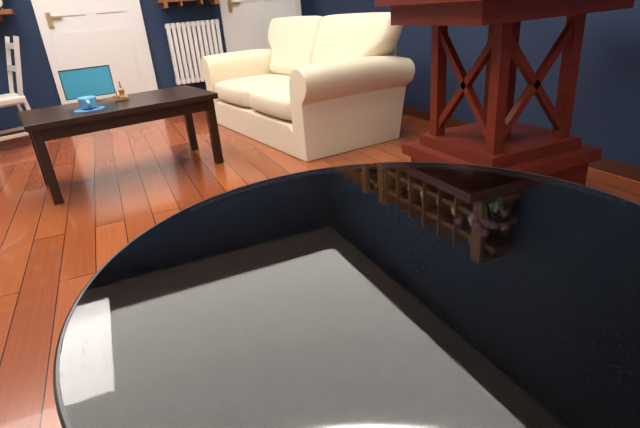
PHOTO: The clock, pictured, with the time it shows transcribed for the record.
10:02
